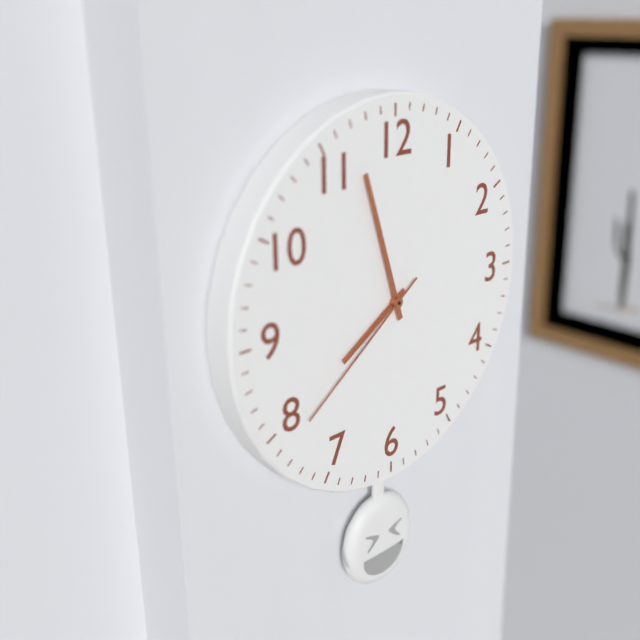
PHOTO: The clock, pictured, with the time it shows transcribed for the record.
7:57:39
